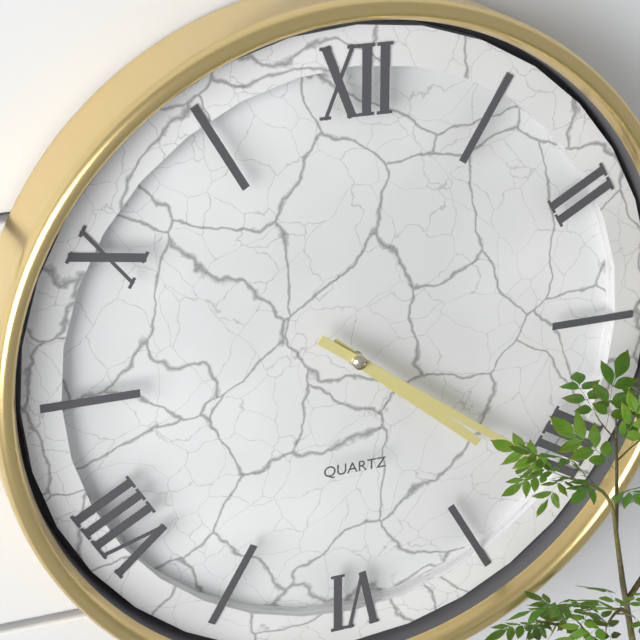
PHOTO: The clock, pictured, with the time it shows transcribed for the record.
4:21
